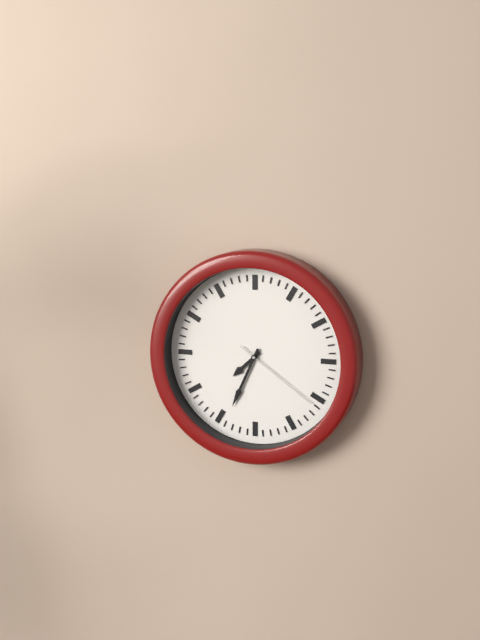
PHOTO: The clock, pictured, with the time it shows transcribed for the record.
7:34:21
